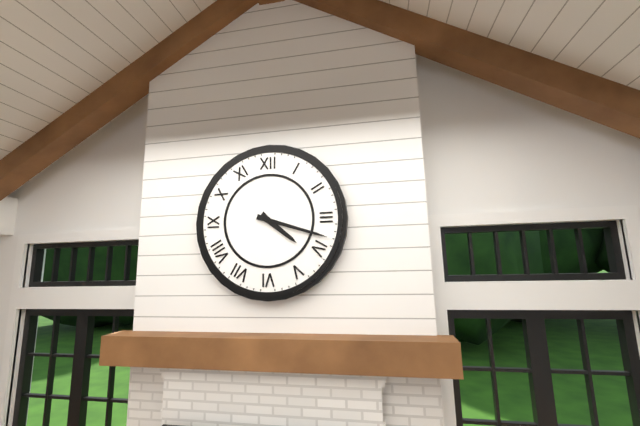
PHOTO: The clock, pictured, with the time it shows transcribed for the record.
4:18
